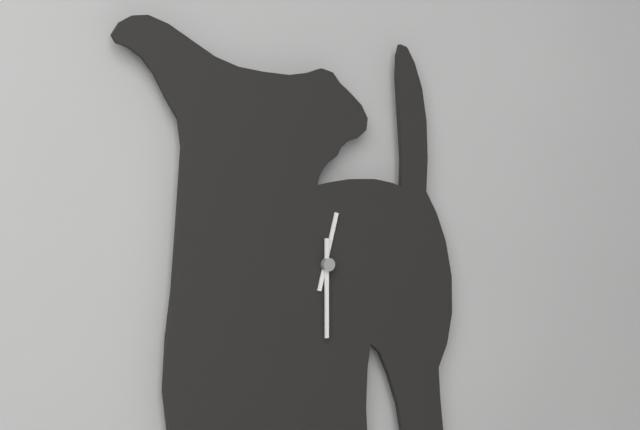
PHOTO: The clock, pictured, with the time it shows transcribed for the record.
12:30
